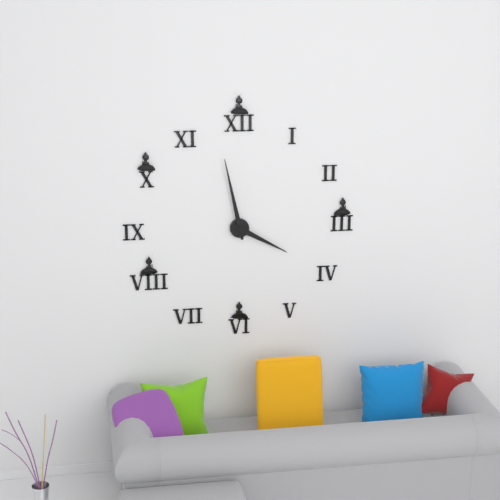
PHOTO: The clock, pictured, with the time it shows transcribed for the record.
3:58
